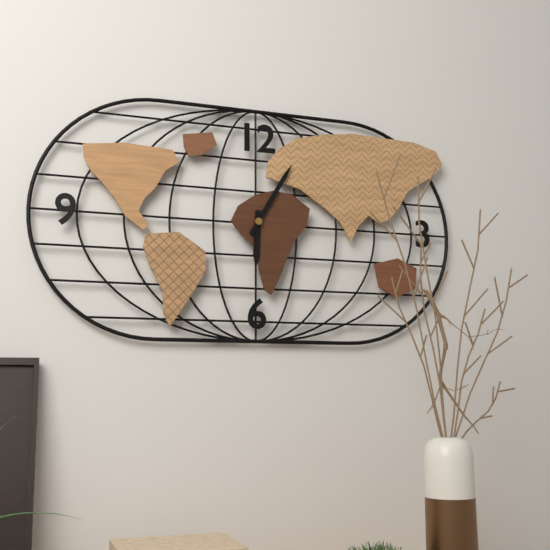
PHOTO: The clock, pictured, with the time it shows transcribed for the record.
6:05
